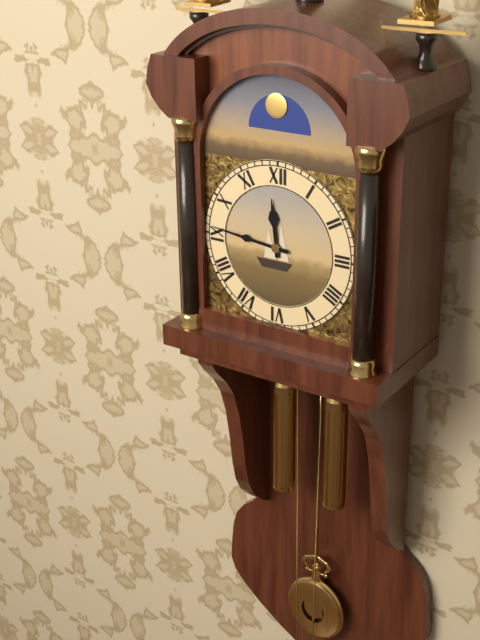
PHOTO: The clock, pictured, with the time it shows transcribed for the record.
11:46
